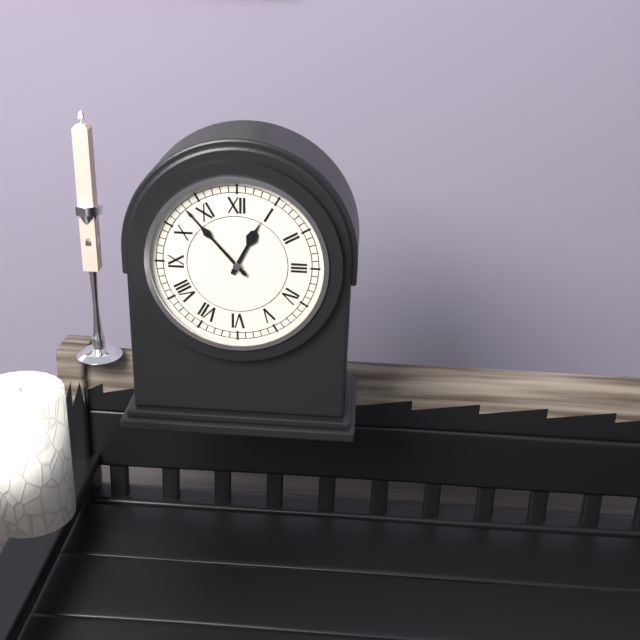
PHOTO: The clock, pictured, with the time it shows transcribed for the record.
12:53
